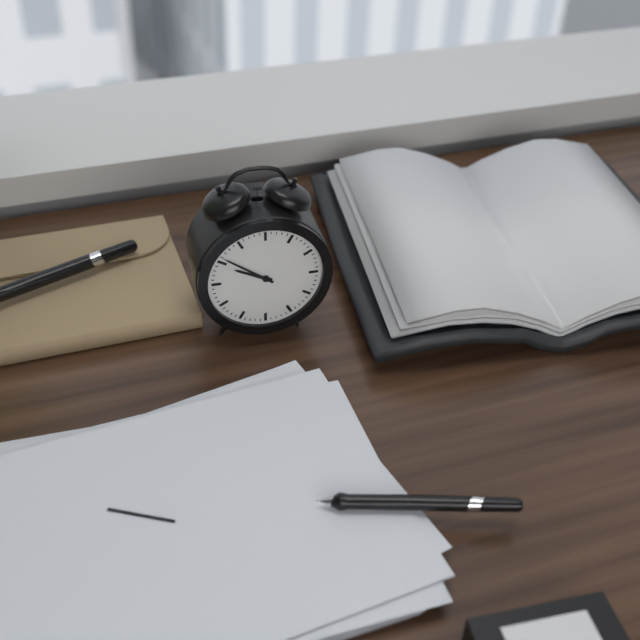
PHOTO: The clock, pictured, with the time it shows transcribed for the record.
9:51
